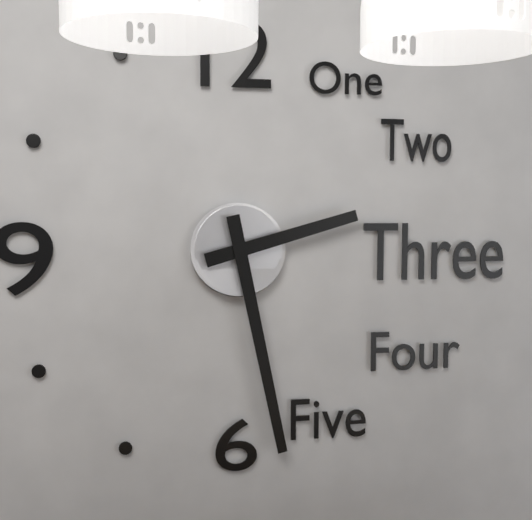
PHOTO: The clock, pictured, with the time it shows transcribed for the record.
2:28
